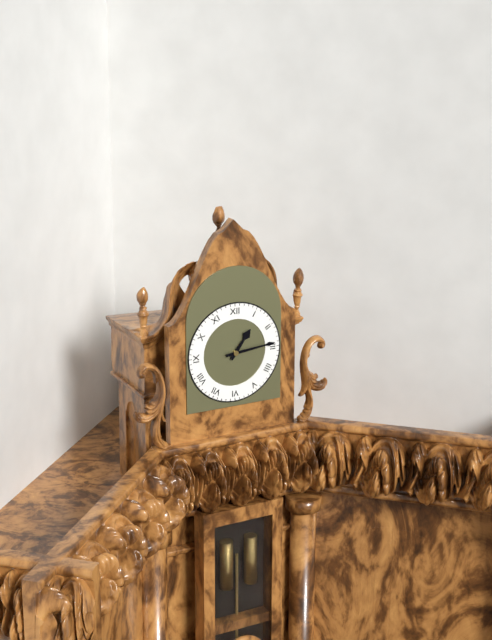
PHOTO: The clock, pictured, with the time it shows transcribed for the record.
1:14
